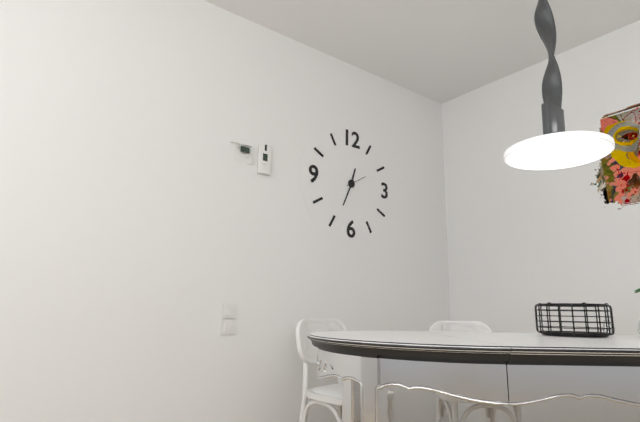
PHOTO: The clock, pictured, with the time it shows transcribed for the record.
12:34
